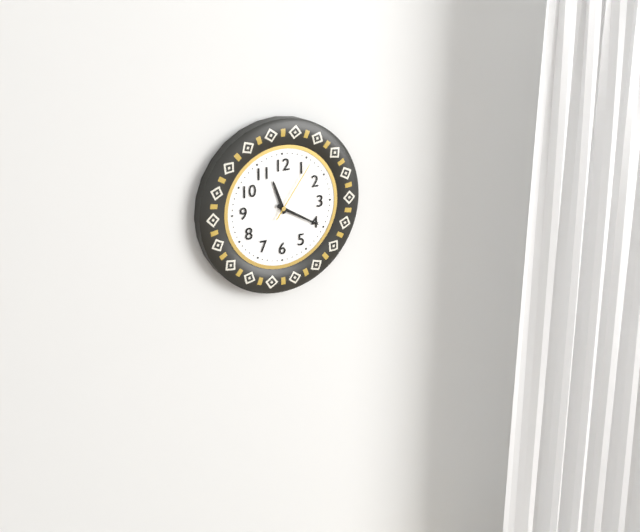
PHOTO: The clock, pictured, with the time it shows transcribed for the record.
11:20:06
